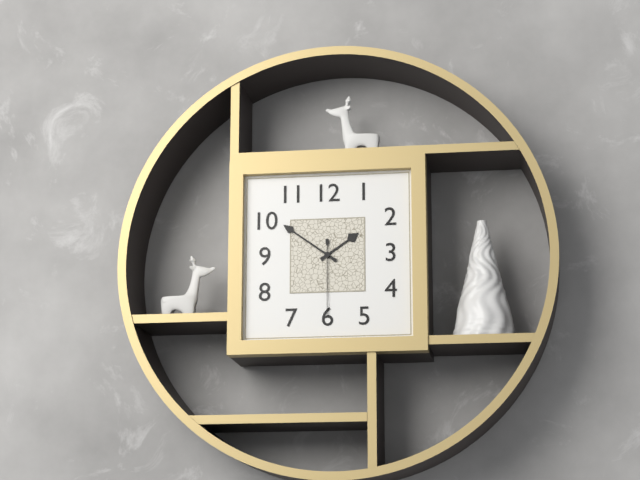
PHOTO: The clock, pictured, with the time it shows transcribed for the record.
1:51:30
